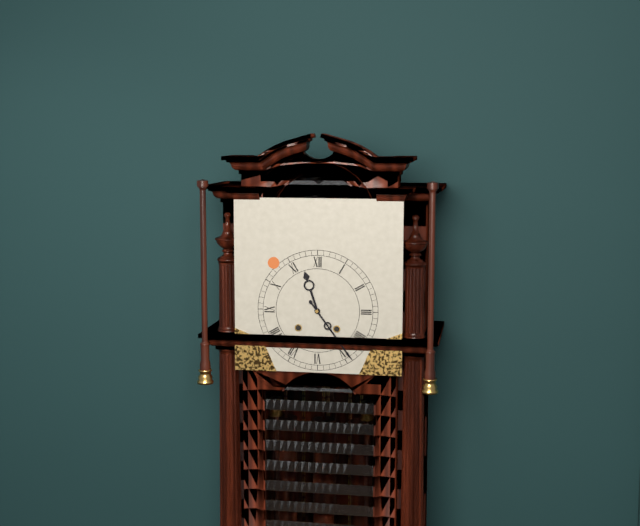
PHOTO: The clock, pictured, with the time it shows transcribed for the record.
11:24
